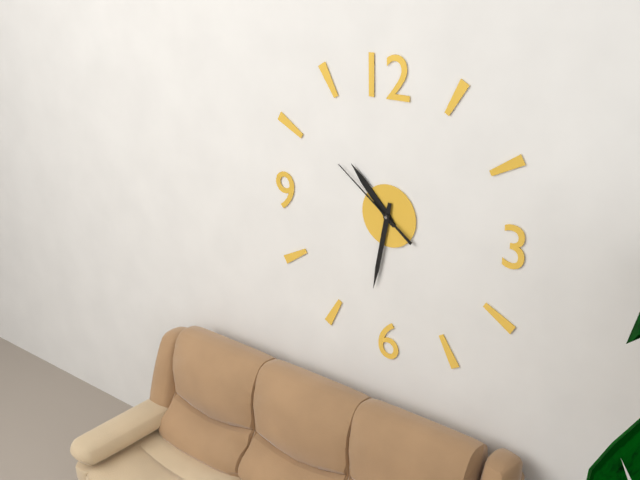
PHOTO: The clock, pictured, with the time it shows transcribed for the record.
10:32:51
